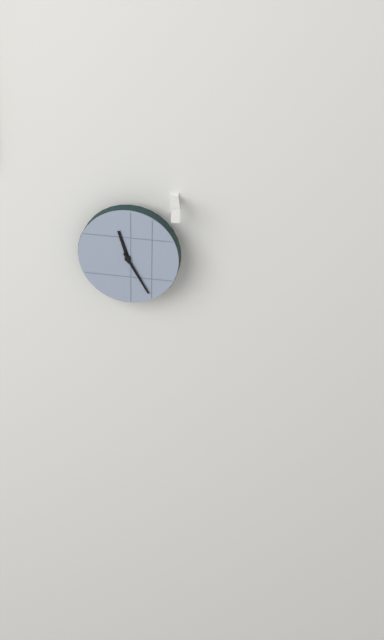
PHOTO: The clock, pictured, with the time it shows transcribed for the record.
11:25
